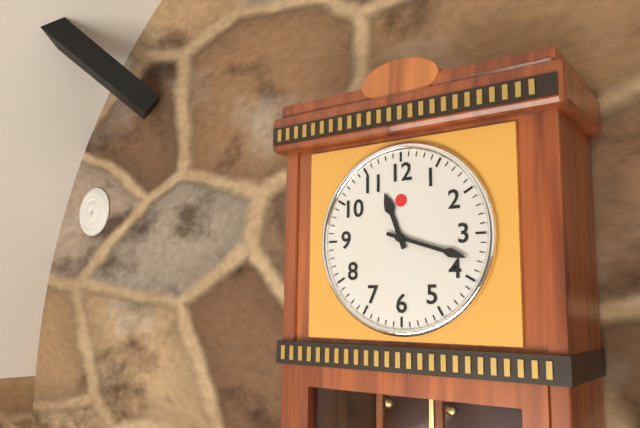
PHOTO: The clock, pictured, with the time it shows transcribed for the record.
11:18
